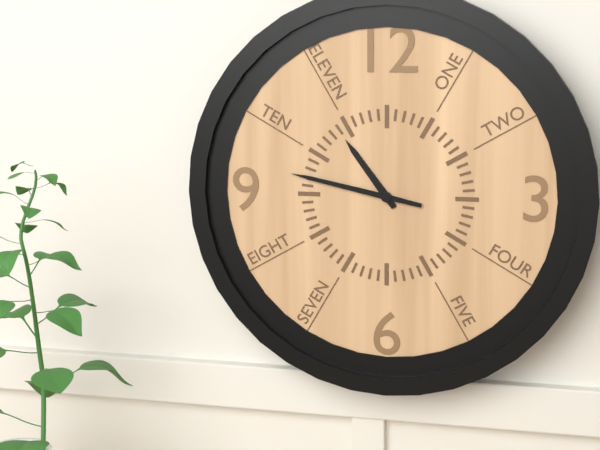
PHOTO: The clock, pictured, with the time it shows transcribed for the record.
10:47
